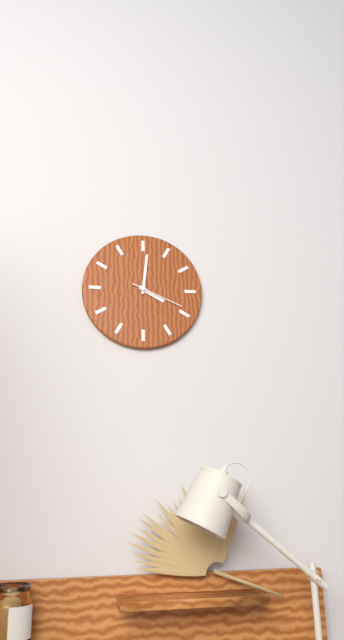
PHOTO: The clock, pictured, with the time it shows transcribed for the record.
4:01:19
